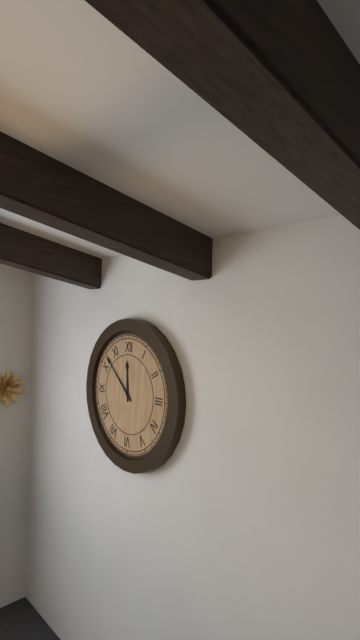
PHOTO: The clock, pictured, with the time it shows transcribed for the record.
11:52
